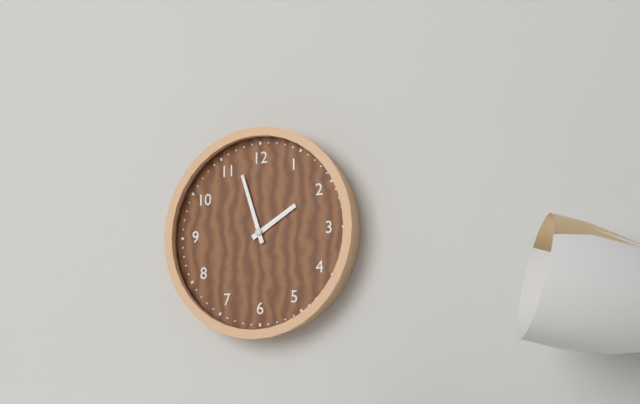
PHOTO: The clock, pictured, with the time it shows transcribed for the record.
1:57
